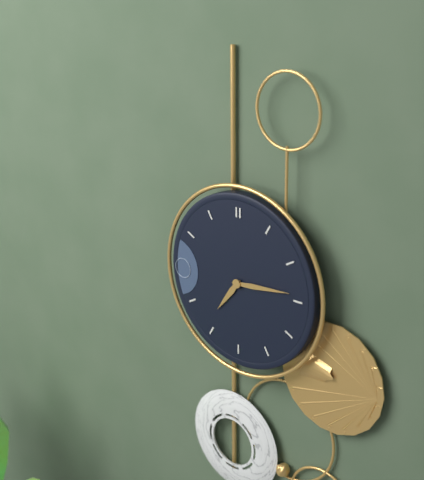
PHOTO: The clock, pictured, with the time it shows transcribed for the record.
7:14
